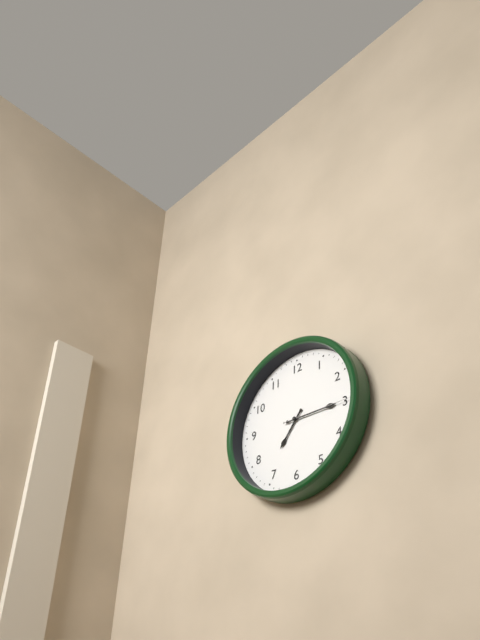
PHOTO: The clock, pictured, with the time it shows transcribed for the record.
7:15:15
